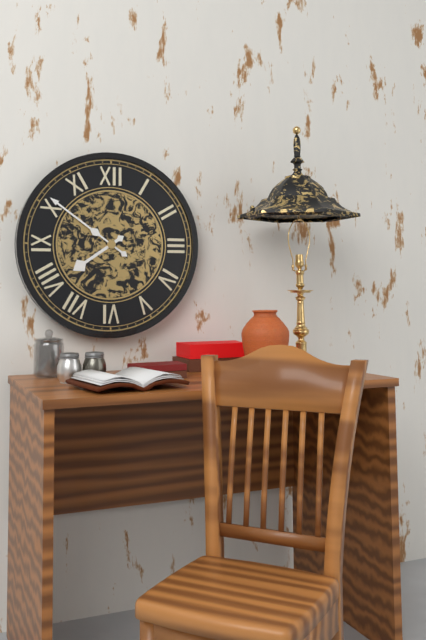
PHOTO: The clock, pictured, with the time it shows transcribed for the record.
7:51
